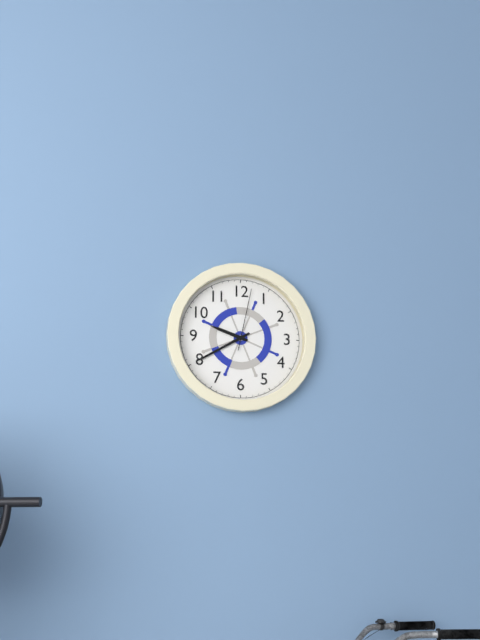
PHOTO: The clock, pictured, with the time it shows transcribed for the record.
9:40:02
